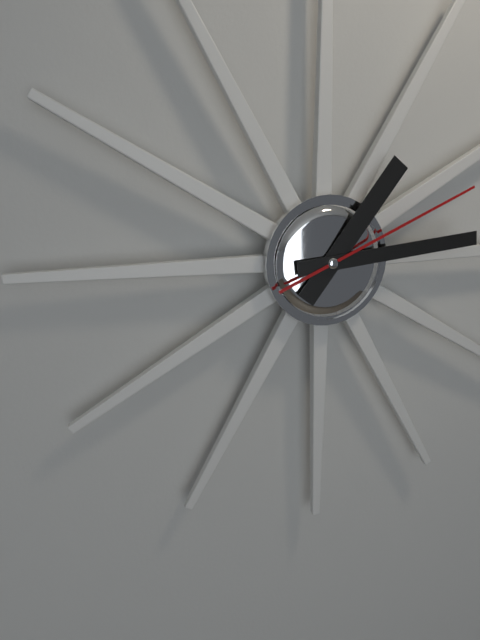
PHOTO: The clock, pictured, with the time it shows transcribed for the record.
1:14:11
